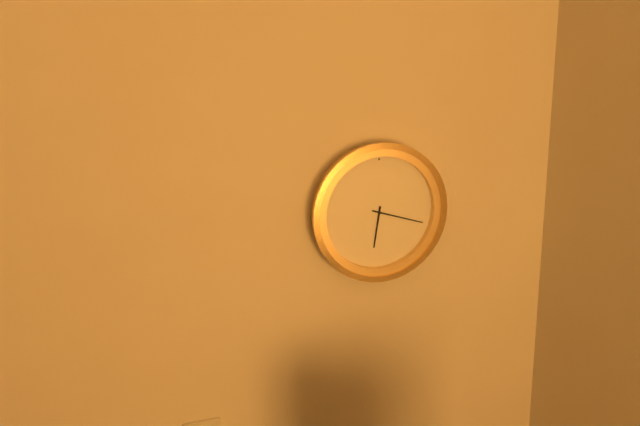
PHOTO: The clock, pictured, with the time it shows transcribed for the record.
6:18
